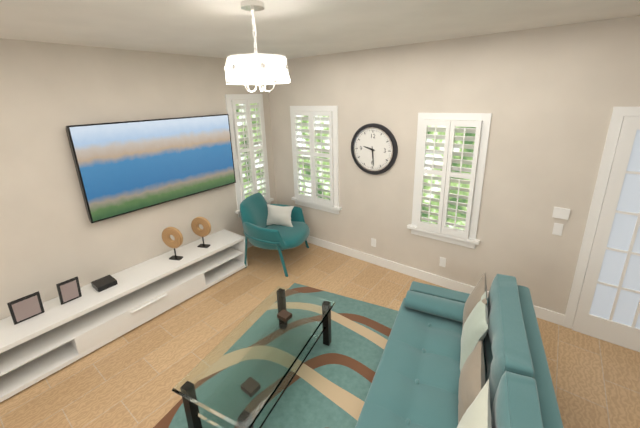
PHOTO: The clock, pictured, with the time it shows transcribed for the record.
9:29
